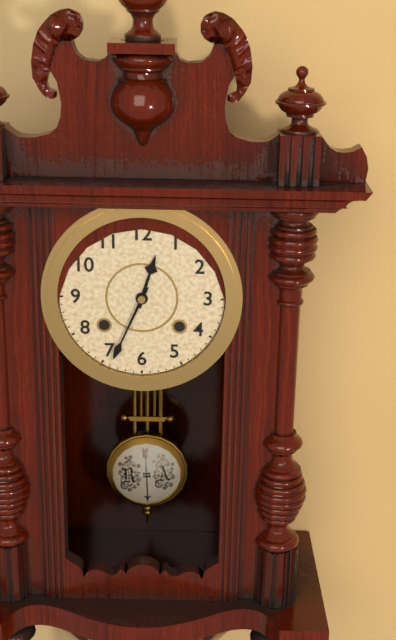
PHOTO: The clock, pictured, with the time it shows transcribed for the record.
12:34
